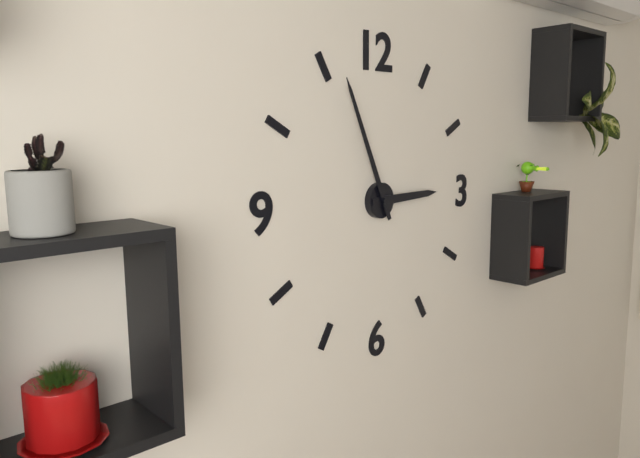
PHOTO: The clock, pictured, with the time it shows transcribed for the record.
2:56
